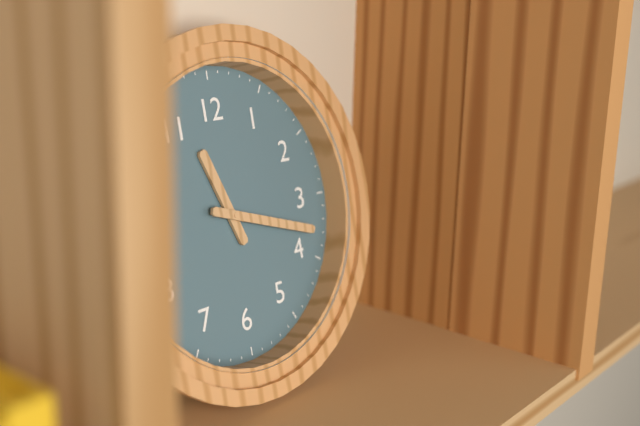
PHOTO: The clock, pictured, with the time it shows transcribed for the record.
11:18
